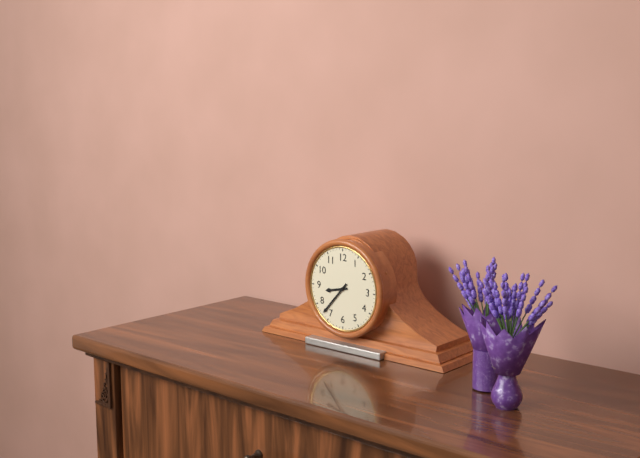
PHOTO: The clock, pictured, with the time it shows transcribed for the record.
8:37
